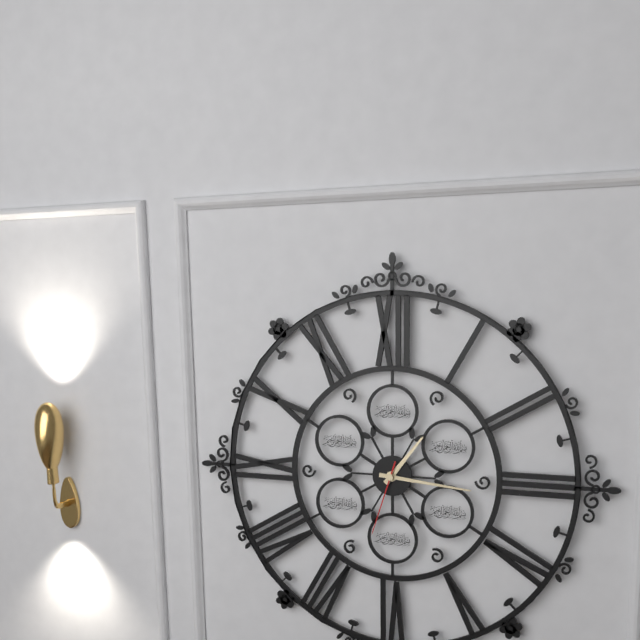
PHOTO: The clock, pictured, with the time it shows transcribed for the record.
1:16:33
